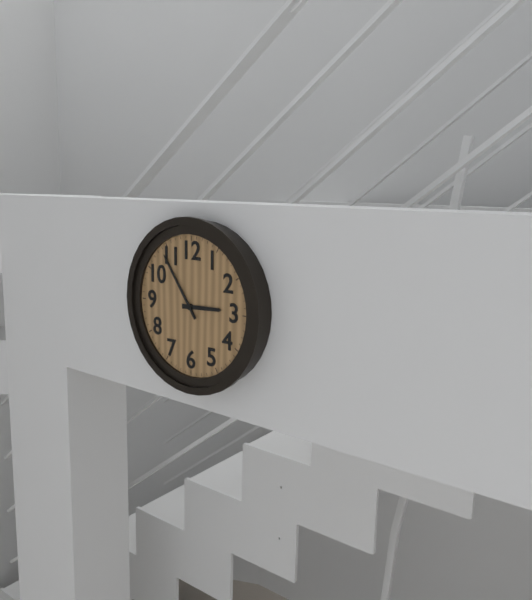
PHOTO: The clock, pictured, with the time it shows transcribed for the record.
2:54
